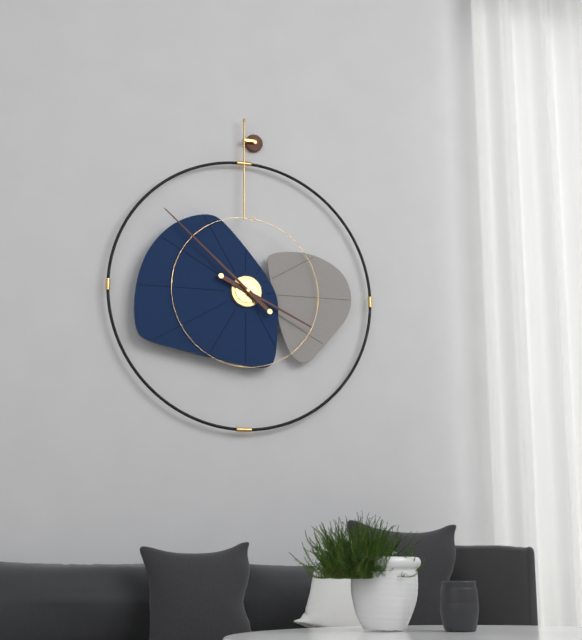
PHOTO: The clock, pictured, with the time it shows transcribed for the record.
3:52
